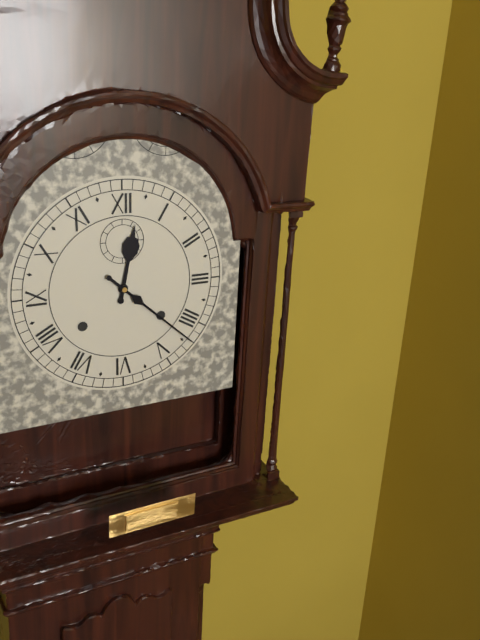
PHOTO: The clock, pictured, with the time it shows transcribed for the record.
12:22
